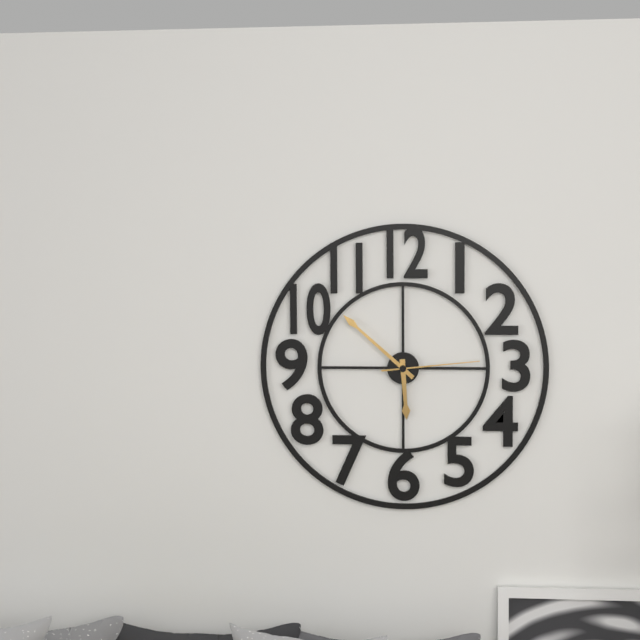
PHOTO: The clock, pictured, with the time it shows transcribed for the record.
5:52:14
